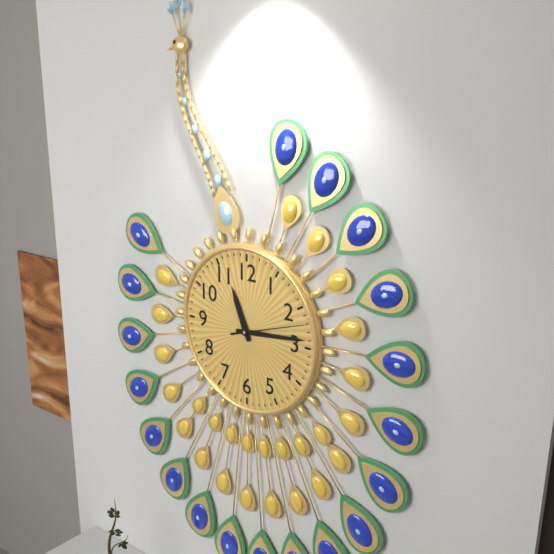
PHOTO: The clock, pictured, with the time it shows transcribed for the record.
11:14:12
